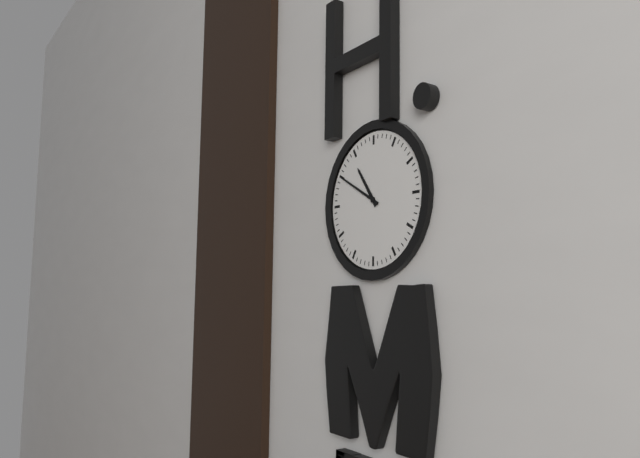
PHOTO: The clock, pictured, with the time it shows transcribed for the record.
10:50
